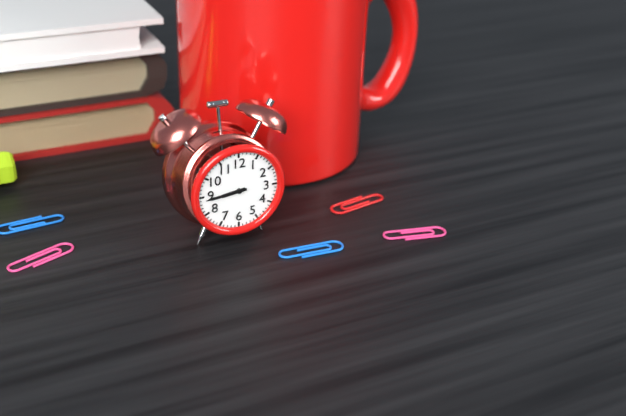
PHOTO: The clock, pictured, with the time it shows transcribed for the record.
8:44
